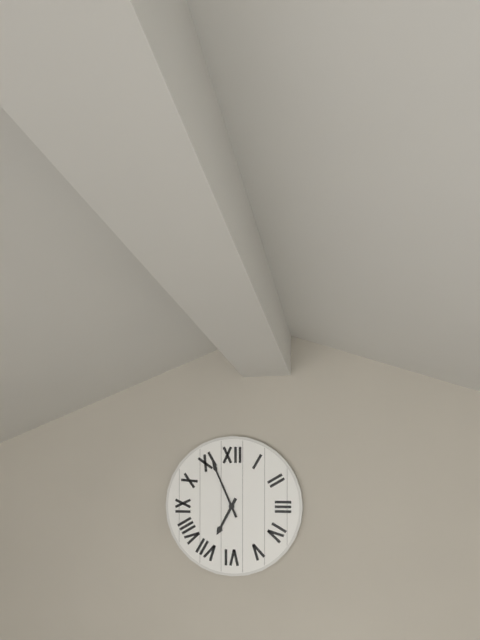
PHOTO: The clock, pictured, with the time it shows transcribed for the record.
6:56
